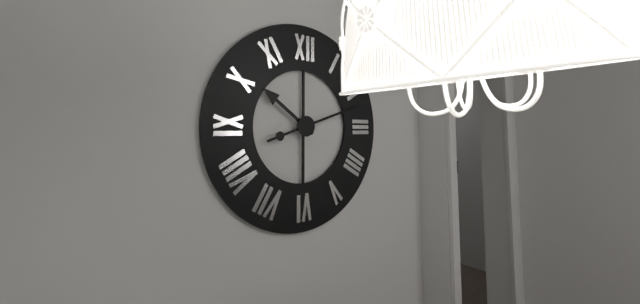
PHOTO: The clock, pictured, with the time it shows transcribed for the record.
10:12
